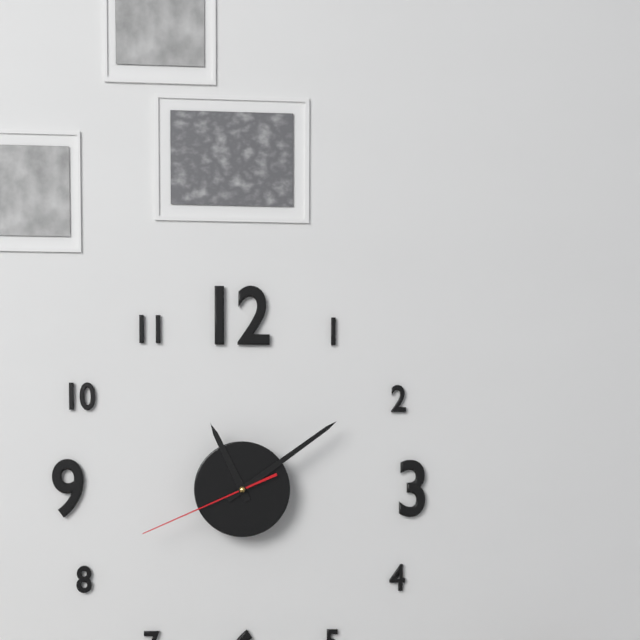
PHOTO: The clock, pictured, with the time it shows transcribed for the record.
11:09:41
